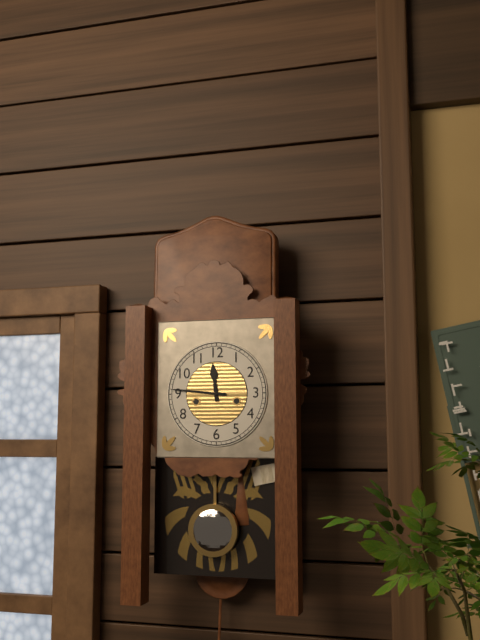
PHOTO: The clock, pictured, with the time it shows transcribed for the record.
11:46
